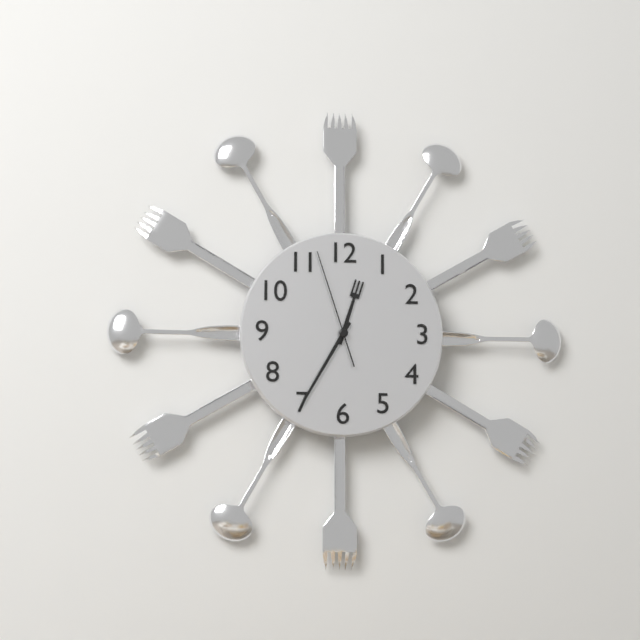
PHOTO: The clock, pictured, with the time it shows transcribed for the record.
12:35:57
